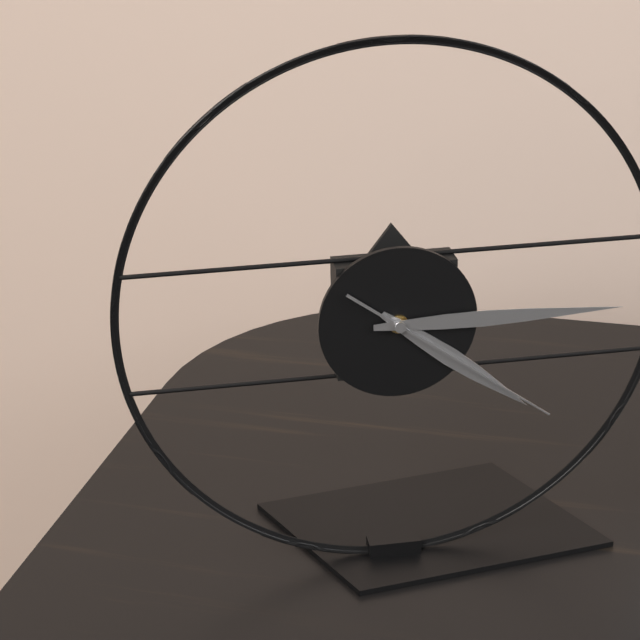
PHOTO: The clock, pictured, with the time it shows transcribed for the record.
4:15:21
